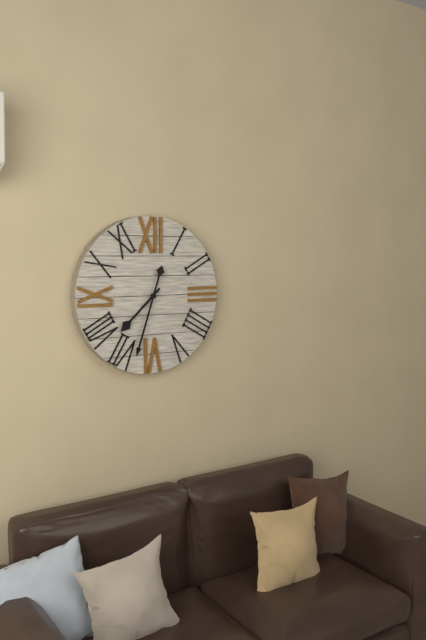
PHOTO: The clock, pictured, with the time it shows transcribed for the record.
7:33
